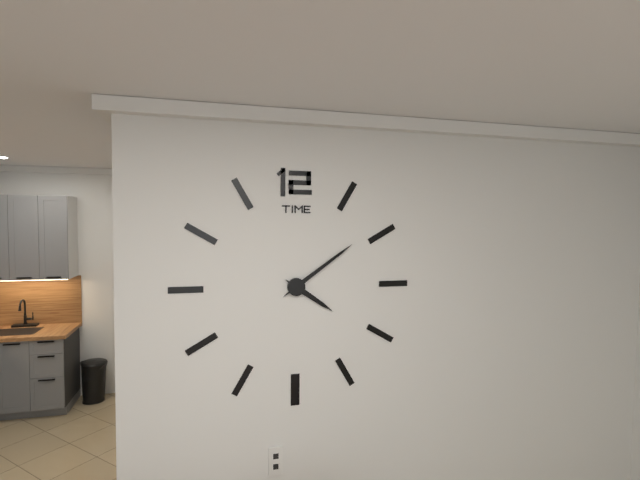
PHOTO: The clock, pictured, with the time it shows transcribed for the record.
4:09
